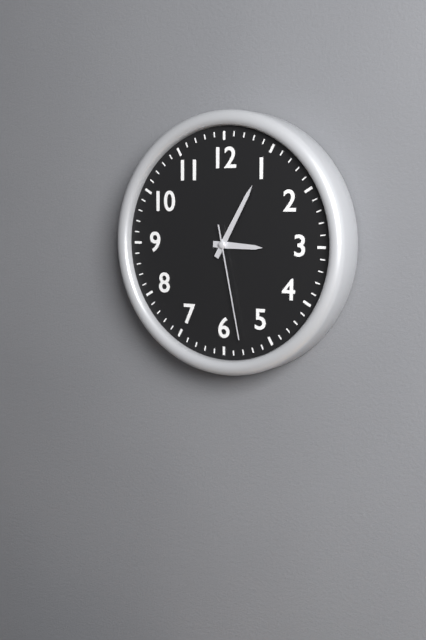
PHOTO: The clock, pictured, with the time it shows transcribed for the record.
3:05:28
